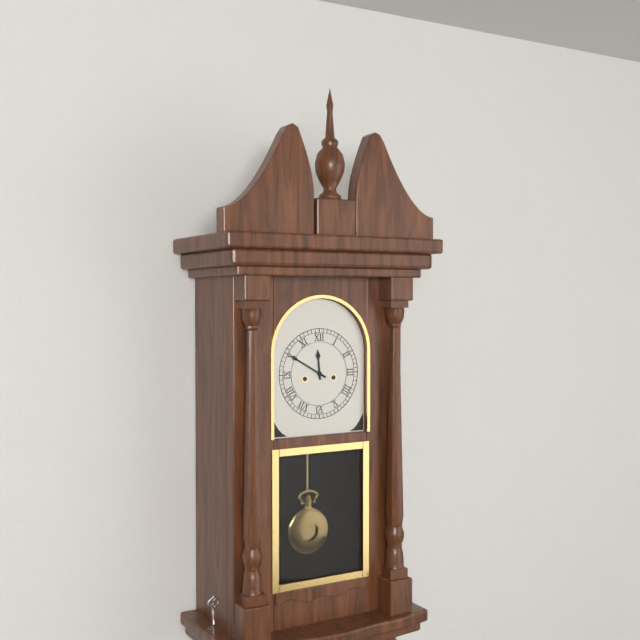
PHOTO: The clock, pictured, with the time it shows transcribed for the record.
11:50
